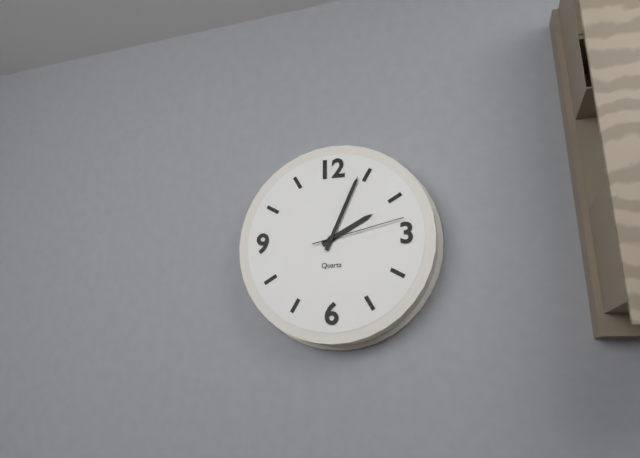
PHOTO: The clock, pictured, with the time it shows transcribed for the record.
2:04:13
